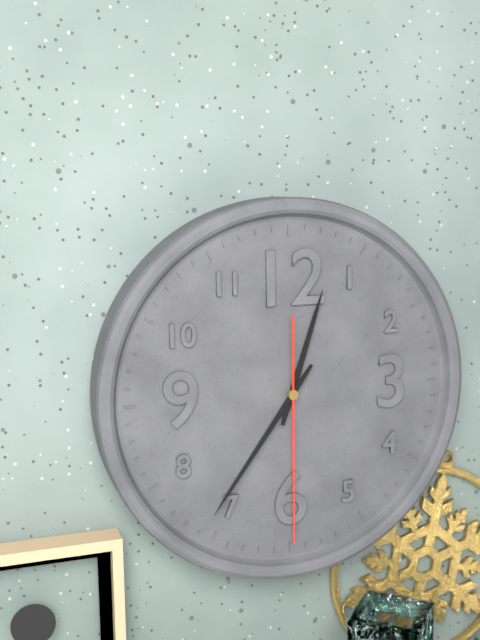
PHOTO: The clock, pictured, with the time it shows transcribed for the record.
12:36:30
